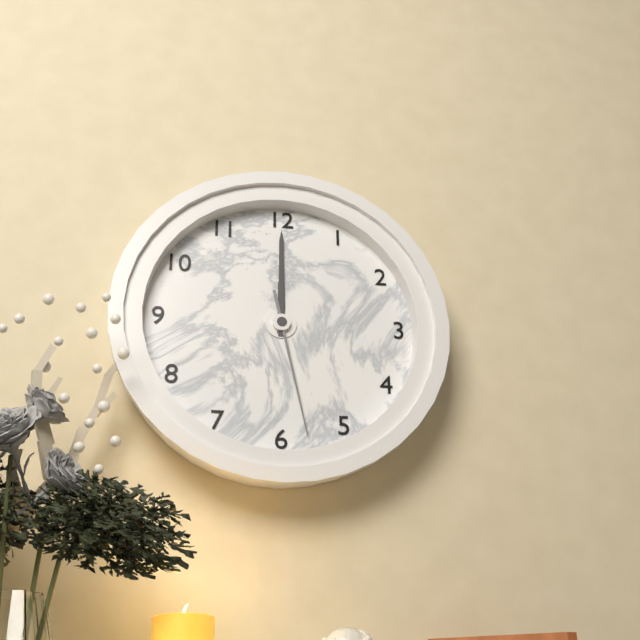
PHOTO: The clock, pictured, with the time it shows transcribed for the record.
12:00:28
